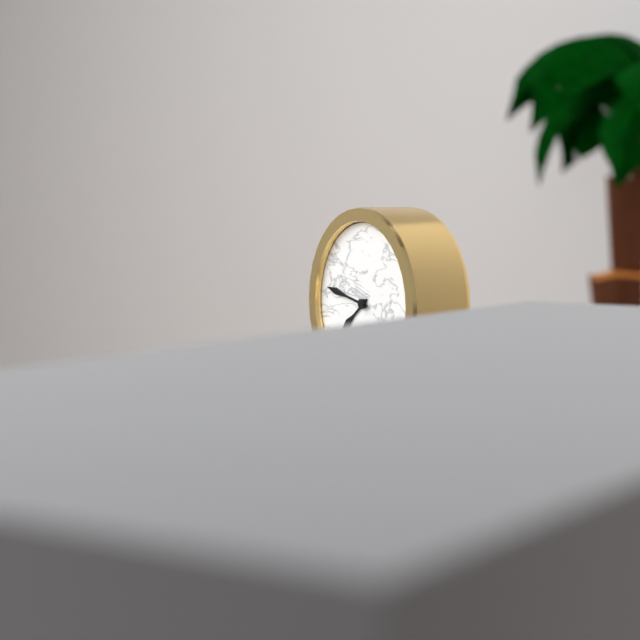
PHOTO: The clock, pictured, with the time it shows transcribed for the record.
7:47
